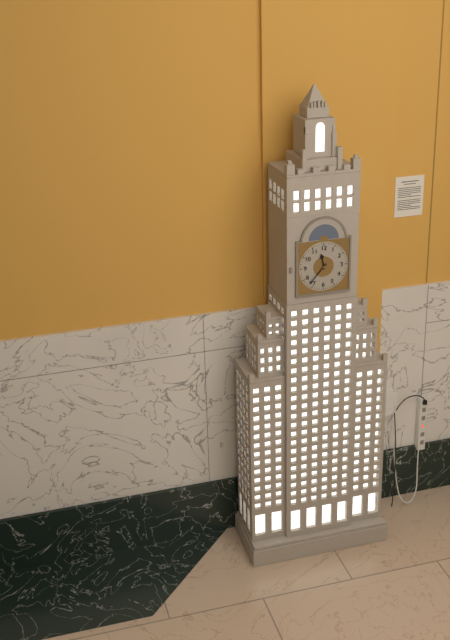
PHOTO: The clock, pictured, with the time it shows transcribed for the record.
11:37
